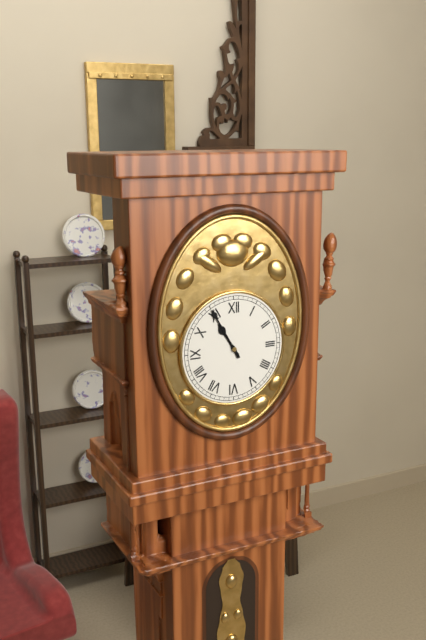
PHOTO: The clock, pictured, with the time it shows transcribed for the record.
10:55
